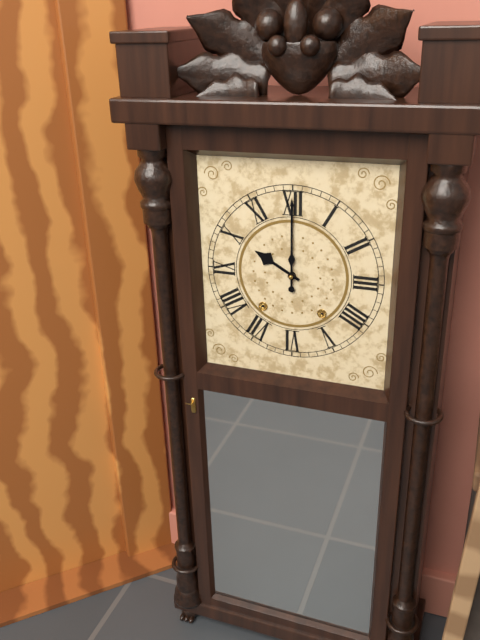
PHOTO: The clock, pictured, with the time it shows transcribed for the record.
10:00
